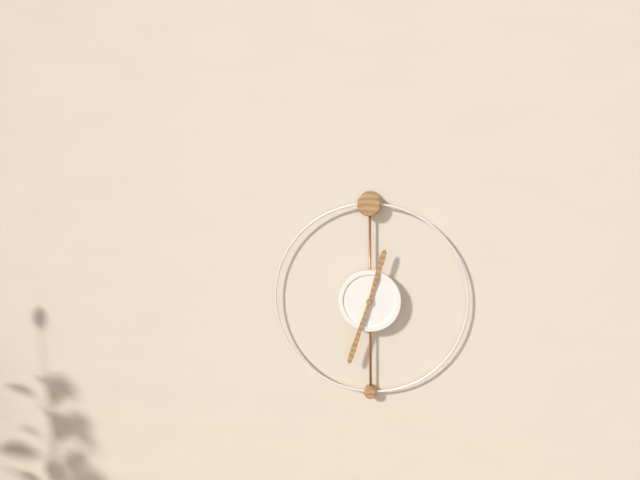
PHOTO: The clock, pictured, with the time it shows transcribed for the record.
12:33
